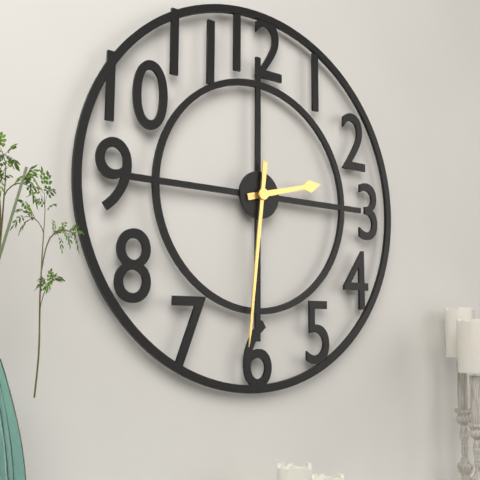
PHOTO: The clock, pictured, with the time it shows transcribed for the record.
2:31
